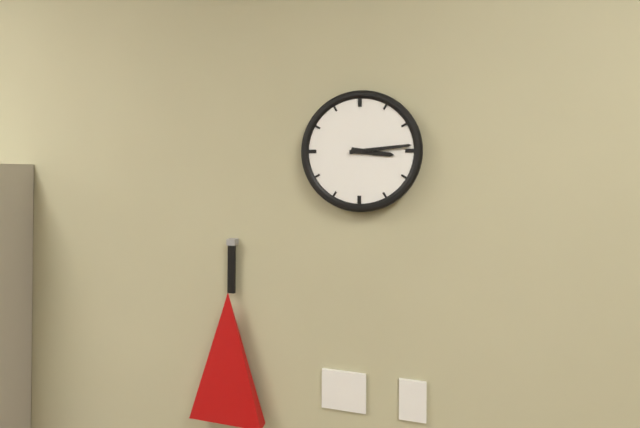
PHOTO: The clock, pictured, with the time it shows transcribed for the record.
3:14
